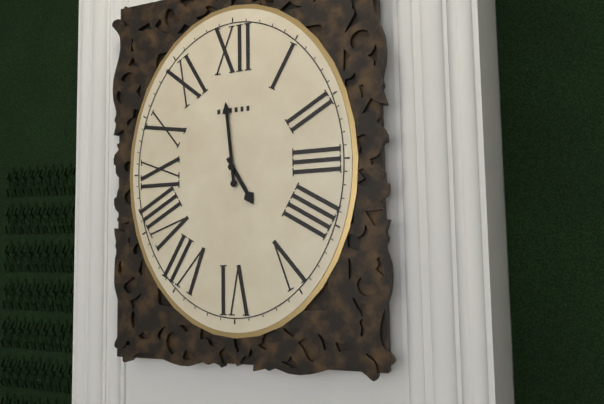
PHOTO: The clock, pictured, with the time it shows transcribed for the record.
4:59
